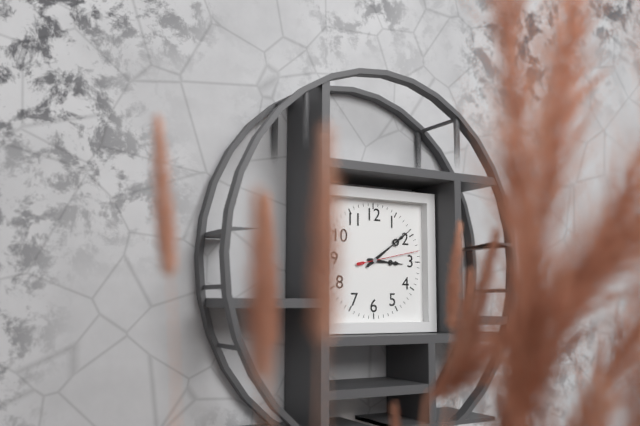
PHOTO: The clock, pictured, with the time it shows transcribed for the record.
3:09:13
